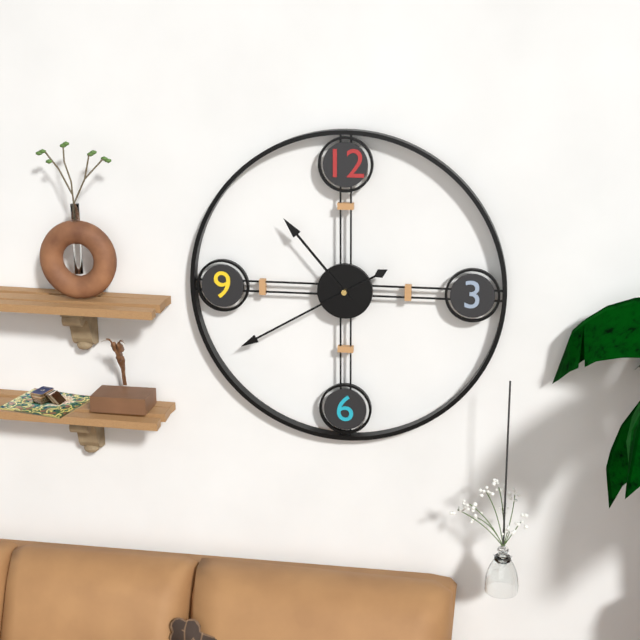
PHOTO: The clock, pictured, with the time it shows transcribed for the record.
10:40
